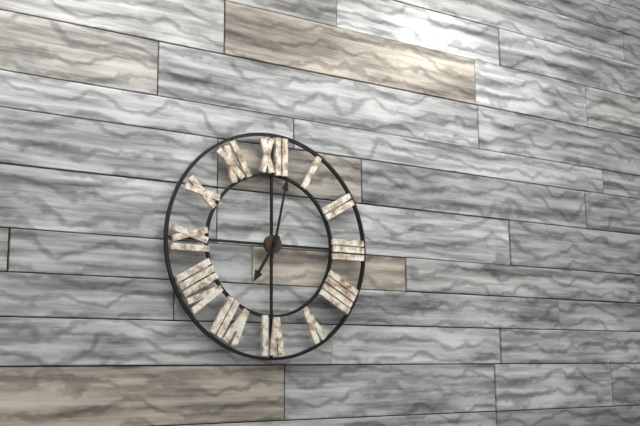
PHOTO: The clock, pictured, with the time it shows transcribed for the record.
7:02
